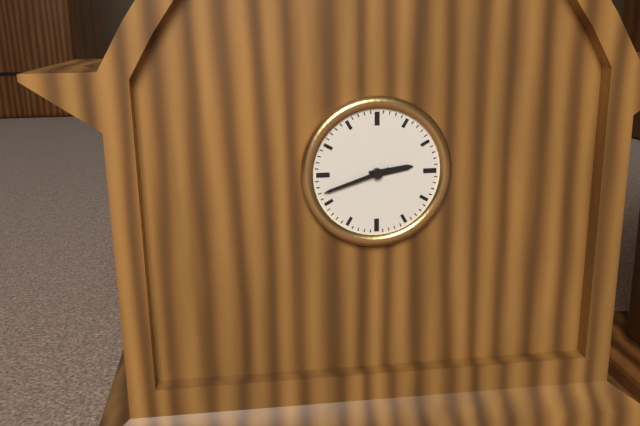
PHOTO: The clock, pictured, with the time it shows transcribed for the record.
2:42
